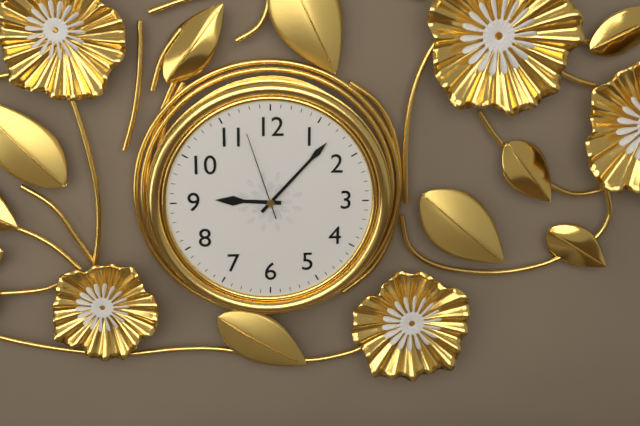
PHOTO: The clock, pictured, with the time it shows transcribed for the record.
9:07:57
